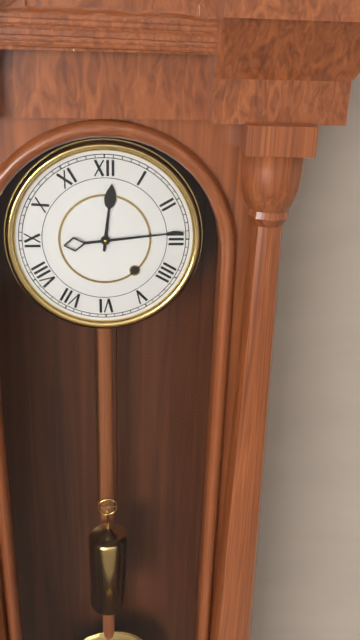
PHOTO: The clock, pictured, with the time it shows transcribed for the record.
12:14
